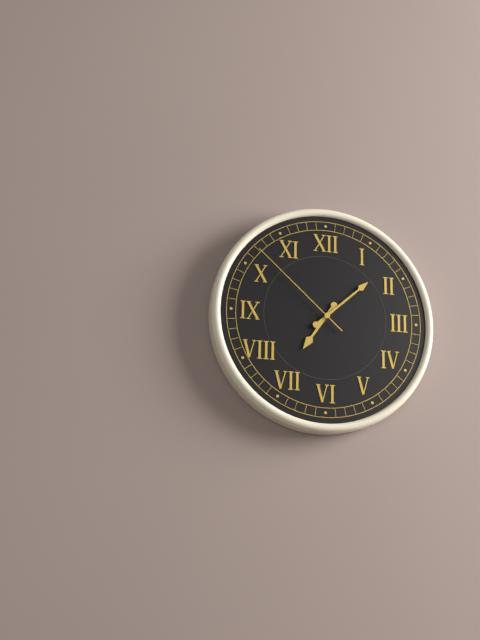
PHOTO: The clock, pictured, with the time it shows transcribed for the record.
7:08:52
